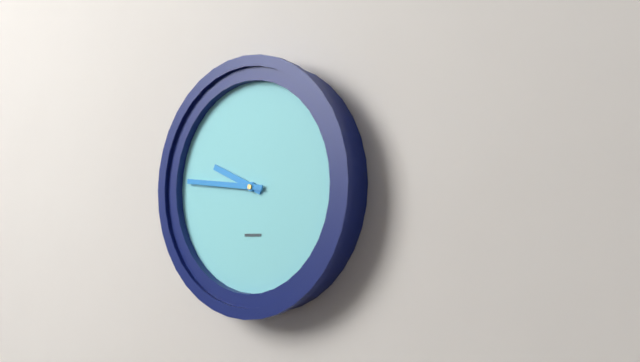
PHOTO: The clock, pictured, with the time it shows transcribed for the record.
9:46
